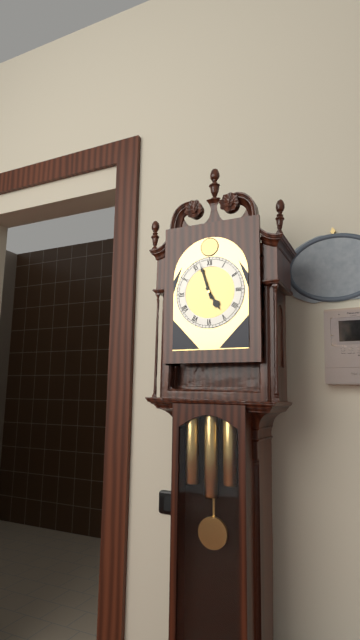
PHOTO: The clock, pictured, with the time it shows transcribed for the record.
4:57
